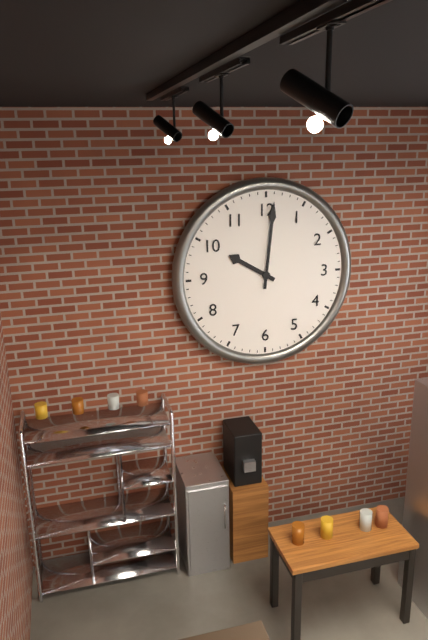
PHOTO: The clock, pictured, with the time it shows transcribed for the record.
10:01
